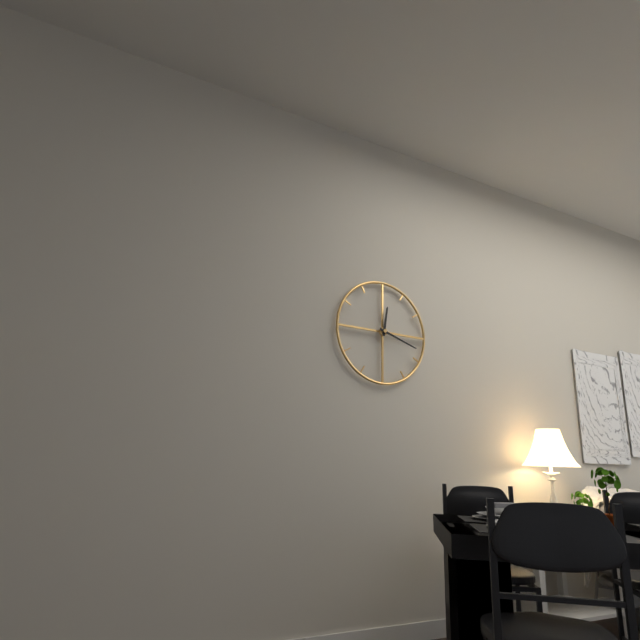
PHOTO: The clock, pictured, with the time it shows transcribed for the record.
12:18
